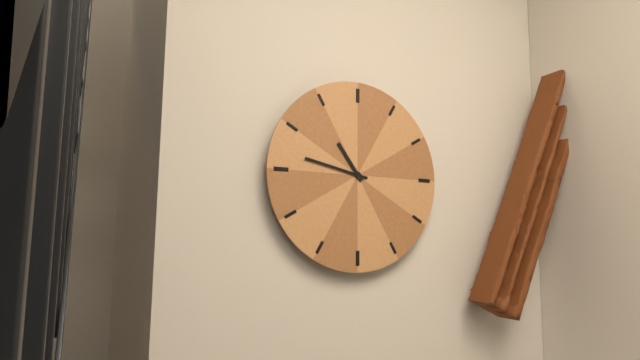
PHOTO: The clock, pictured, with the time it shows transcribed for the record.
10:47
